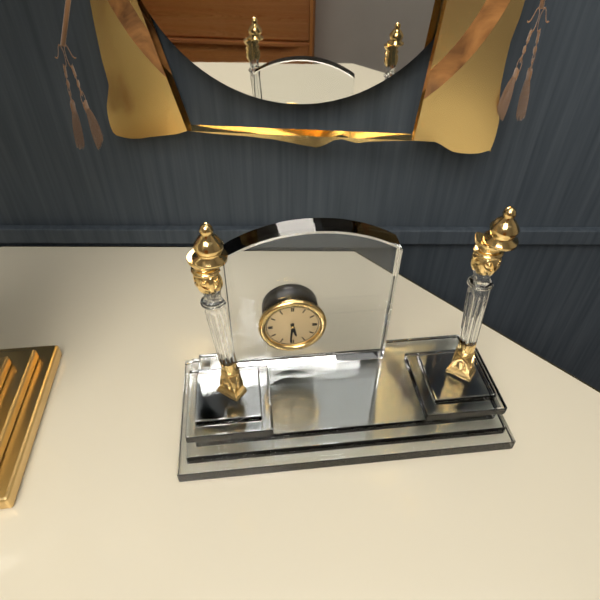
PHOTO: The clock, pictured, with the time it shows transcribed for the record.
5:31
